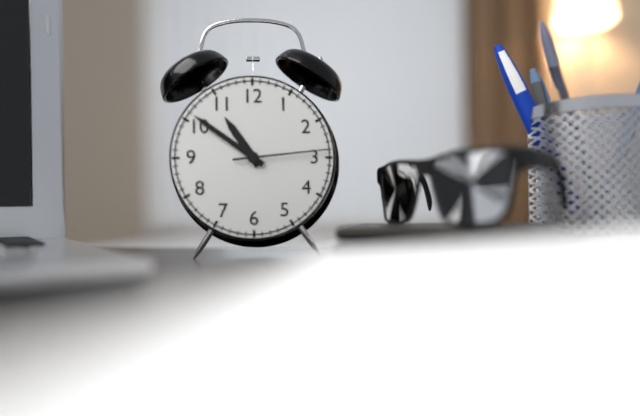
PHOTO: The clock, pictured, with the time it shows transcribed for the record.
10:51:14
